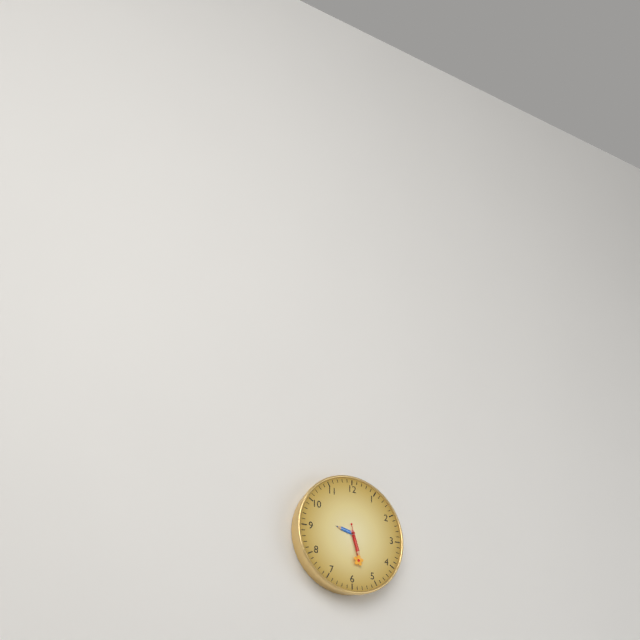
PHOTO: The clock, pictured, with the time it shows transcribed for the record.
9:27
